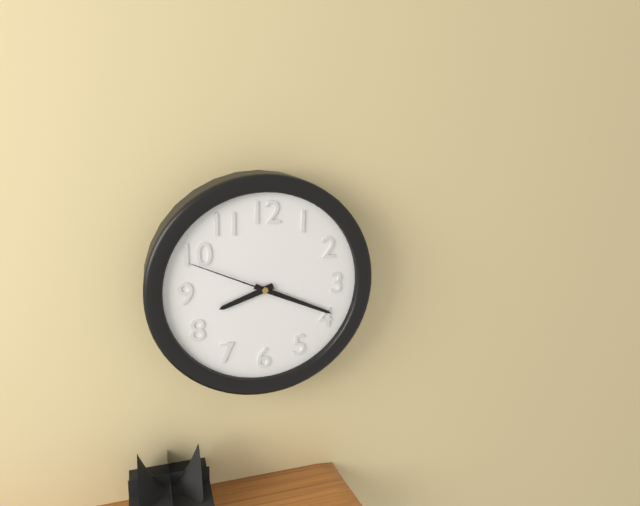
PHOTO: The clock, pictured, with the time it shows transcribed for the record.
8:19:49
